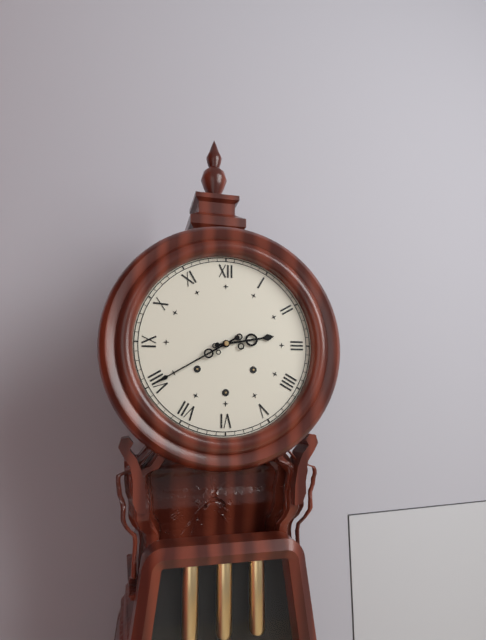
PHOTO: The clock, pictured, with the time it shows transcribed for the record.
2:40
